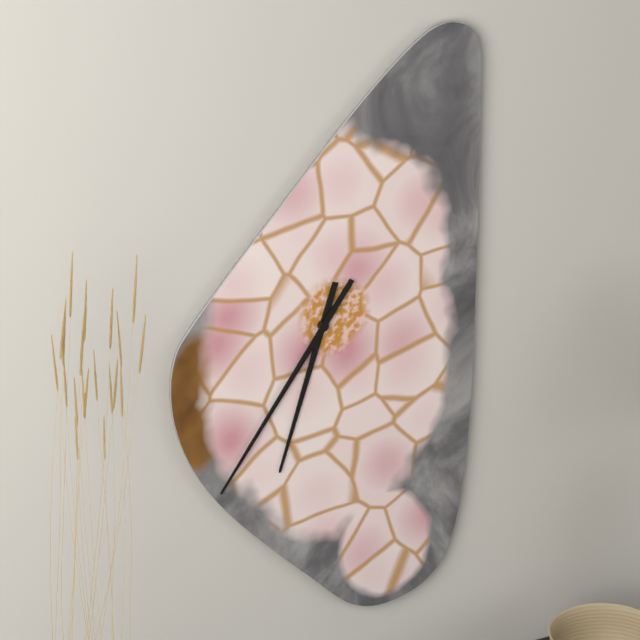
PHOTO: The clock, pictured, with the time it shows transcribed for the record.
6:36
